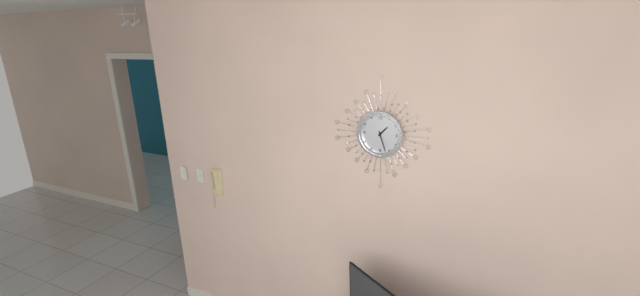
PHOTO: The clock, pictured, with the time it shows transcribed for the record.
1:27
